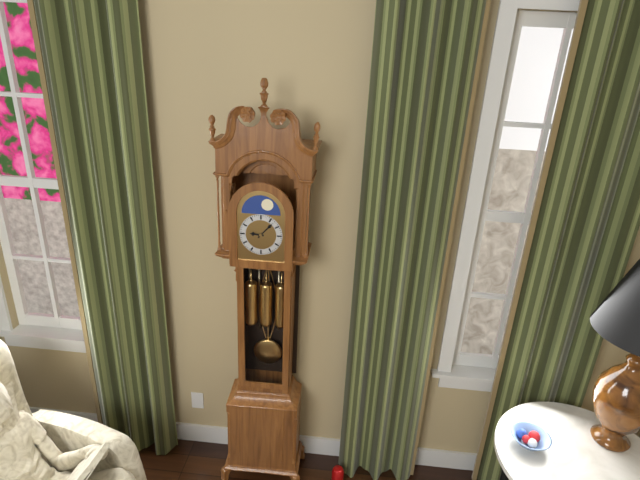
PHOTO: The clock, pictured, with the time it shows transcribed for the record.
9:07
